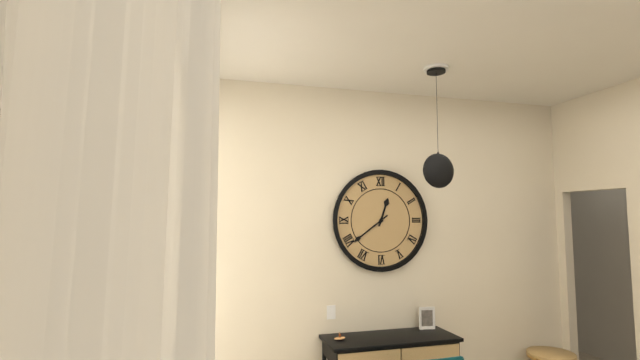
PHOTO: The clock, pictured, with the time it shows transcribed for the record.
12:39
